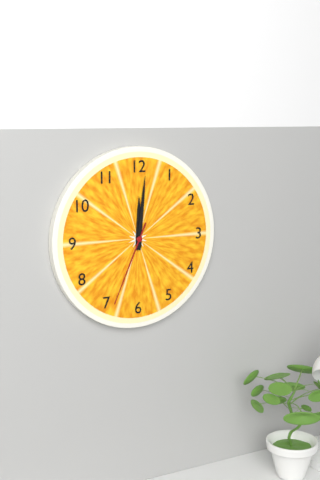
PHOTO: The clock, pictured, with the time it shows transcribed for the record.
12:01:34
